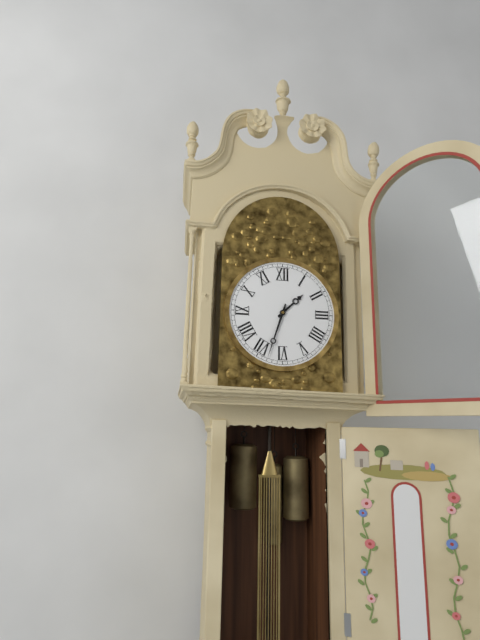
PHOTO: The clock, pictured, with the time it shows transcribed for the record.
1:33
